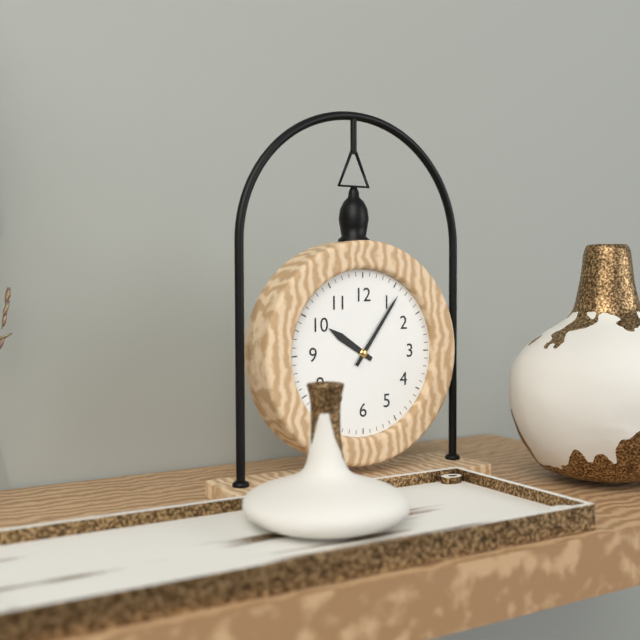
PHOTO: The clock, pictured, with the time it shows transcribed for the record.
10:06
